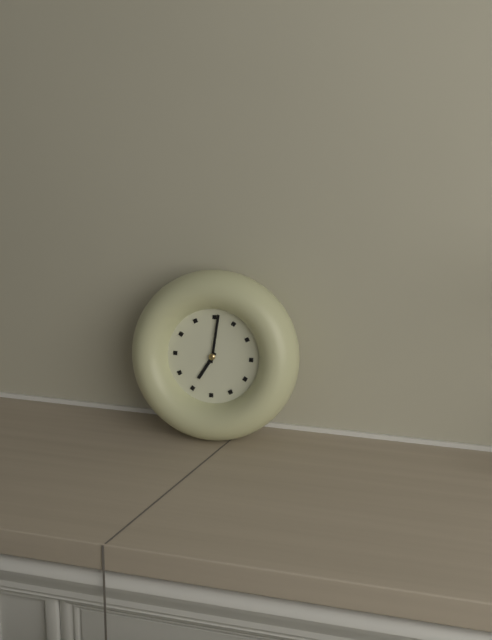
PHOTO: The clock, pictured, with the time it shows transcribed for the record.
7:01
